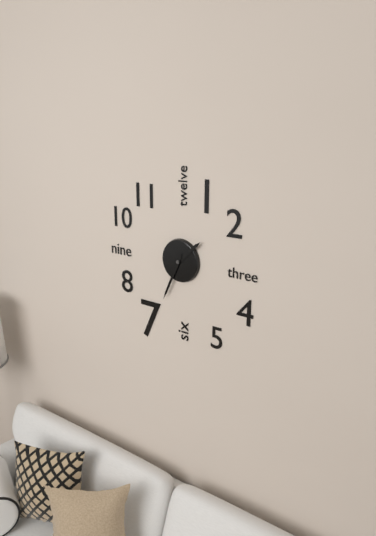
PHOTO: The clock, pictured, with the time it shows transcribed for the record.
1:34
